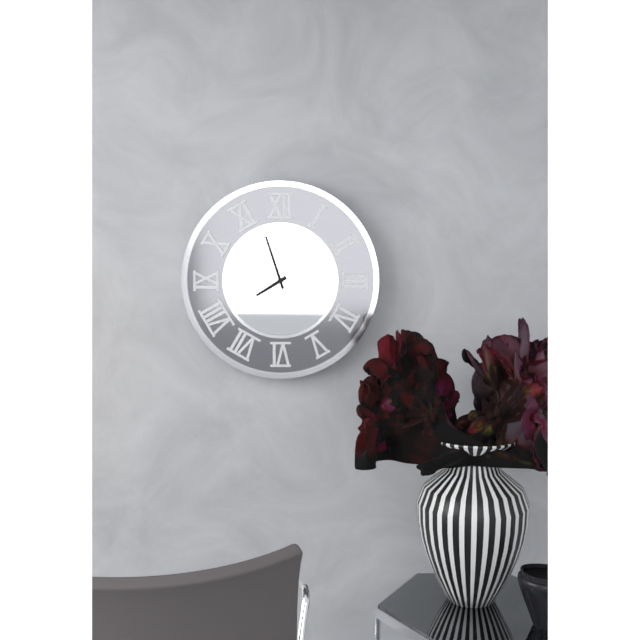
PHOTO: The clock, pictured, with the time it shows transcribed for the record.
7:57
